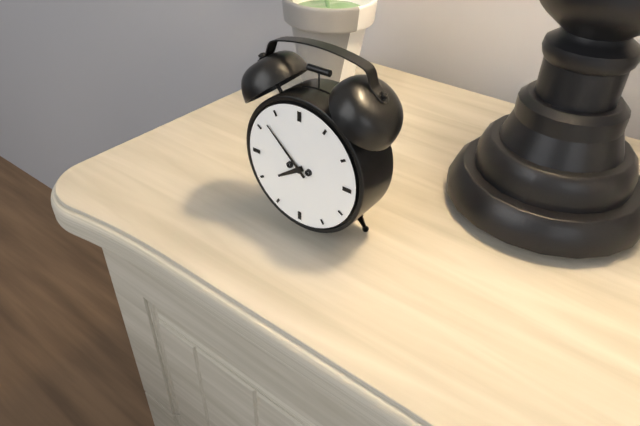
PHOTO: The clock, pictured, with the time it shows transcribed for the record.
7:52
